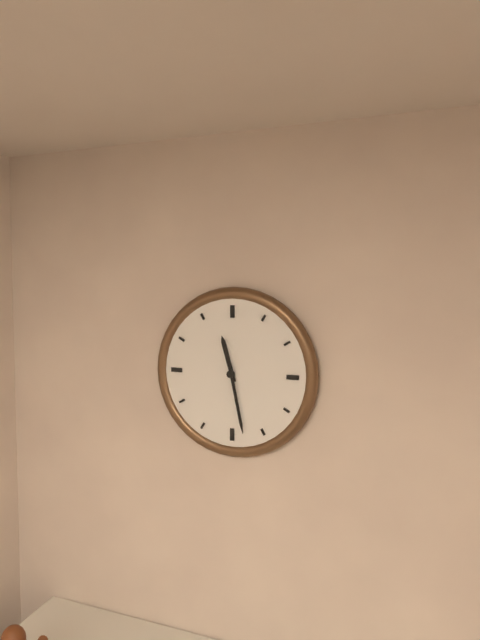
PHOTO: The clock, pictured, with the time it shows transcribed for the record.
11:28
